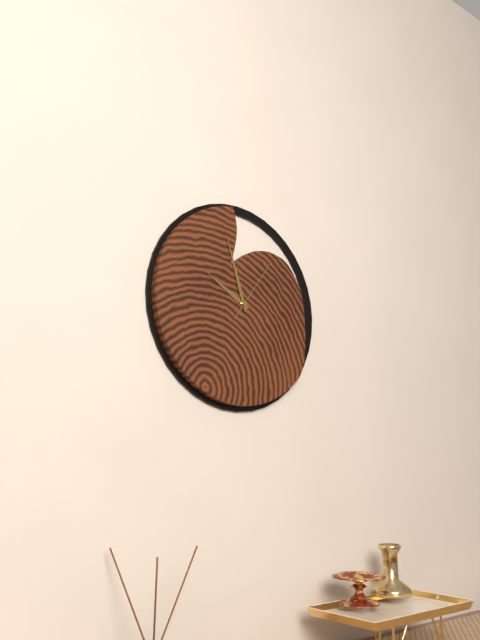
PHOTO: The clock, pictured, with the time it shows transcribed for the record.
9:57:06
